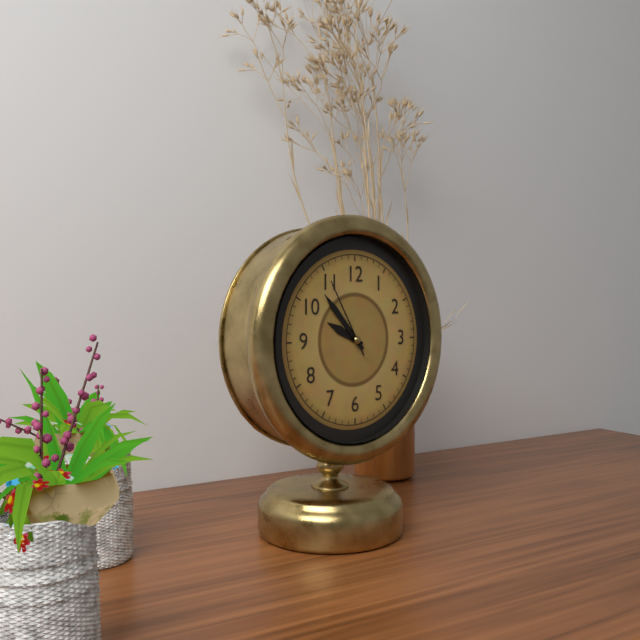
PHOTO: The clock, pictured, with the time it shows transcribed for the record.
9:53:55
